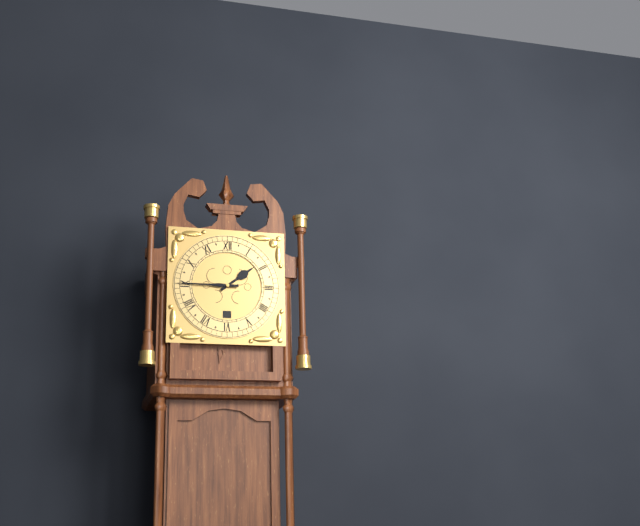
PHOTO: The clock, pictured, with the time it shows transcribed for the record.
1:45
